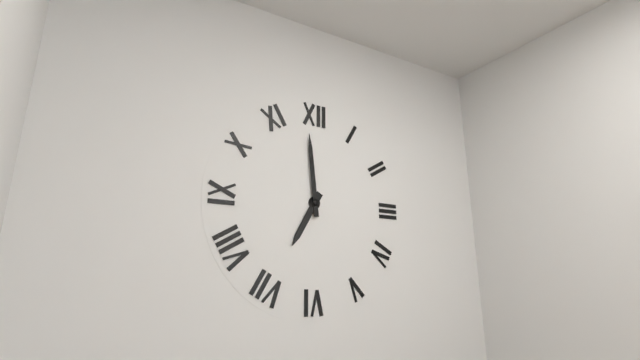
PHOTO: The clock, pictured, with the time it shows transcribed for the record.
6:59
